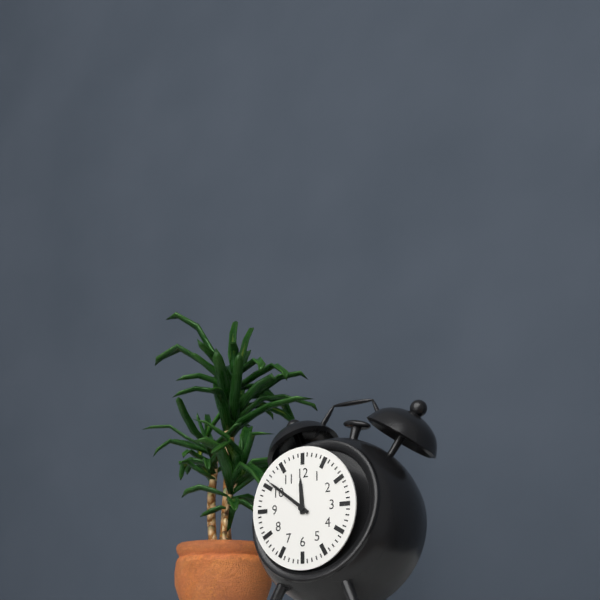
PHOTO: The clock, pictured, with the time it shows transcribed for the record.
11:51
